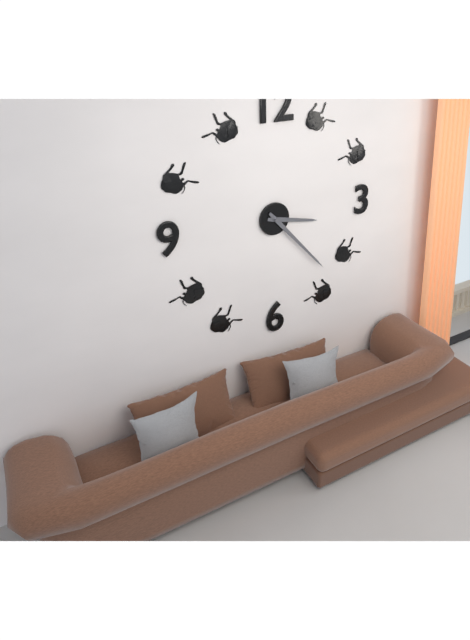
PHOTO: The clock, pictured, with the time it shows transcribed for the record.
3:23
